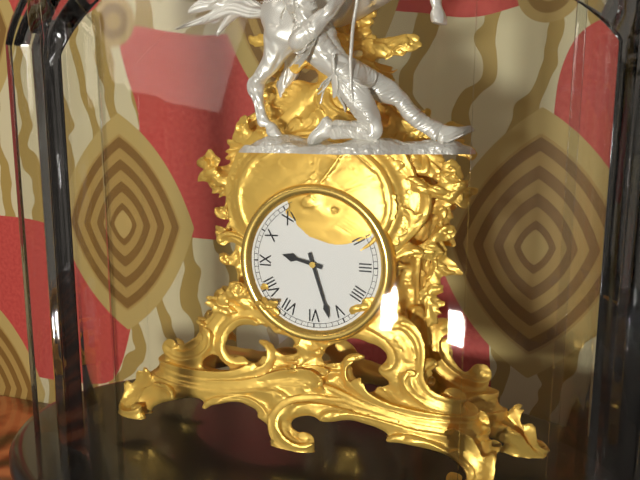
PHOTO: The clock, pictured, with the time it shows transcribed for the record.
9:27
